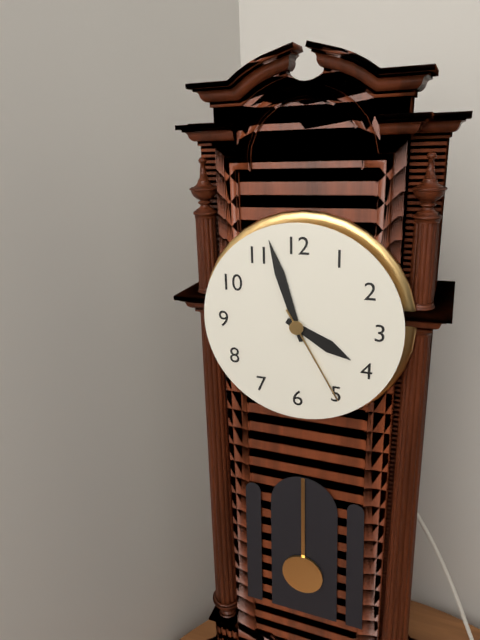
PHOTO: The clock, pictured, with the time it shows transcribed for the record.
3:57:25
